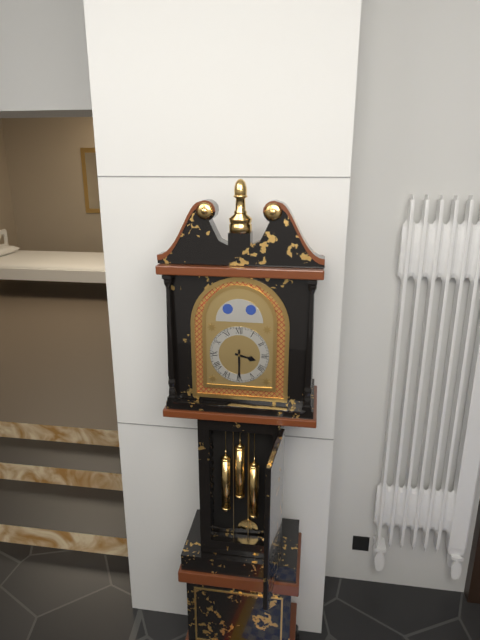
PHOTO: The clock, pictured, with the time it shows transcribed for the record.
3:30
